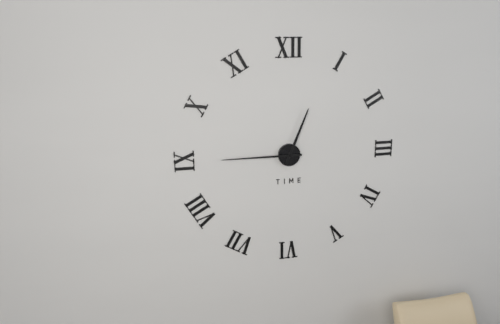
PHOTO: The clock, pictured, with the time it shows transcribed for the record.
12:45
